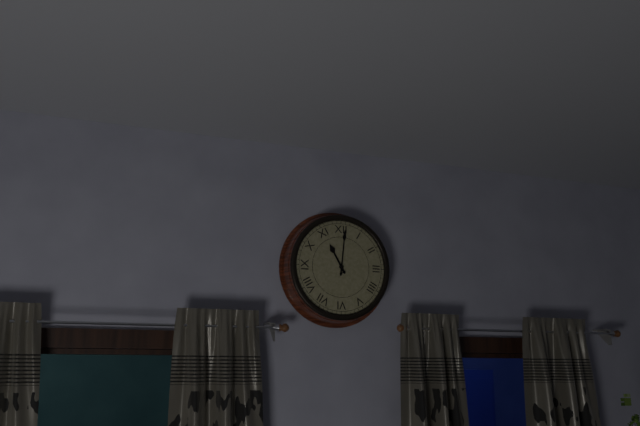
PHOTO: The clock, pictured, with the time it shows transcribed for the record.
11:01
